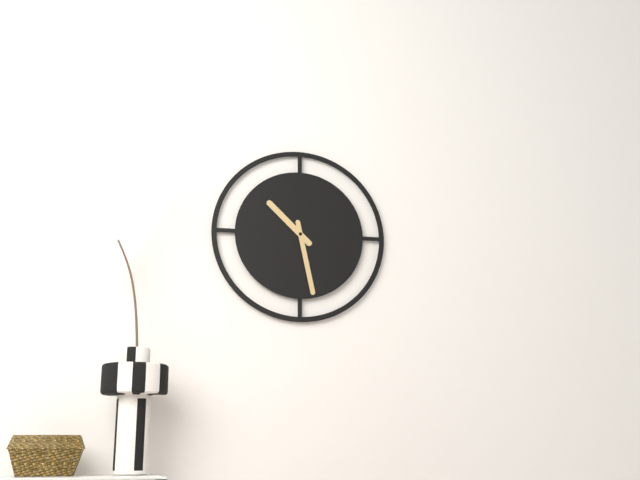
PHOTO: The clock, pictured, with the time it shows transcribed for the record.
10:28
